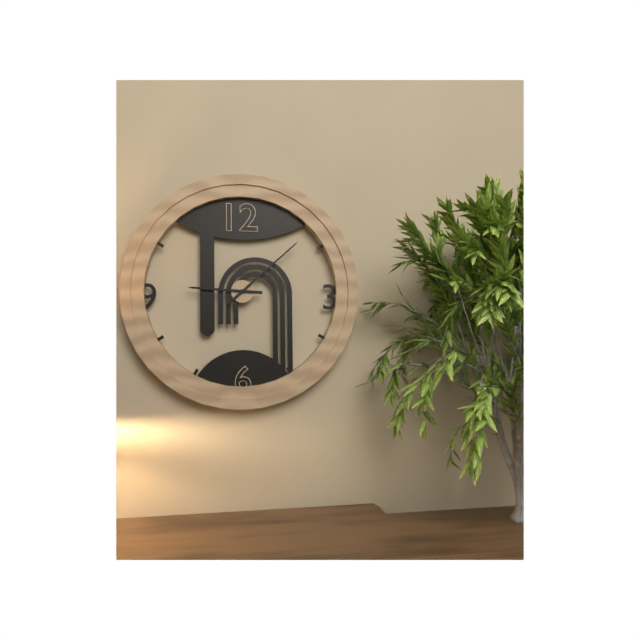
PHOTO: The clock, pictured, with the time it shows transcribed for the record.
9:08
